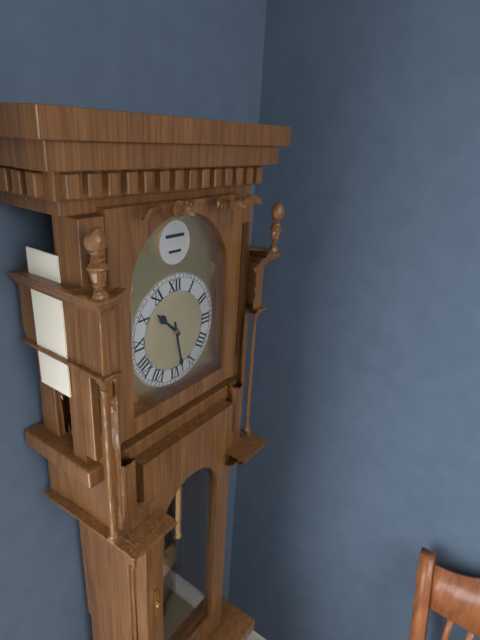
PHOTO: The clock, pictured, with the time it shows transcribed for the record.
10:28
